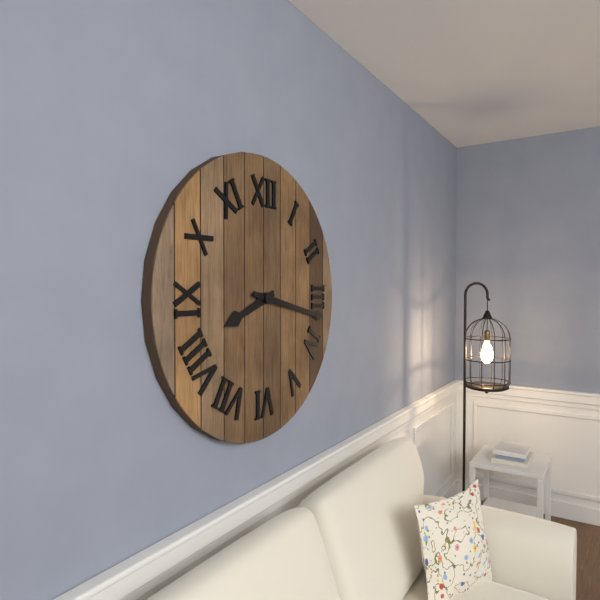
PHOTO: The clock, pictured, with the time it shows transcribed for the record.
8:17
